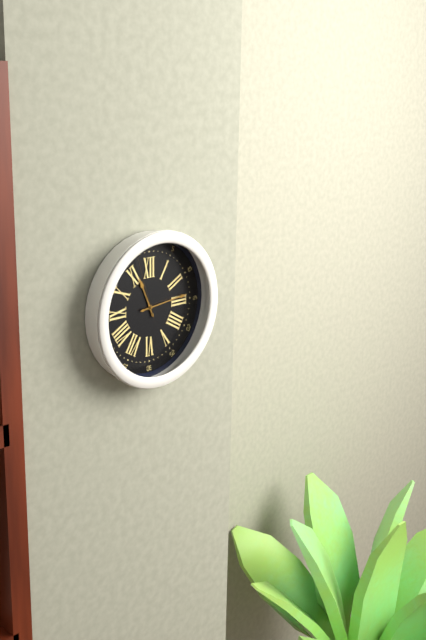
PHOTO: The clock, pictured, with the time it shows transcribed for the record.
11:14:57
